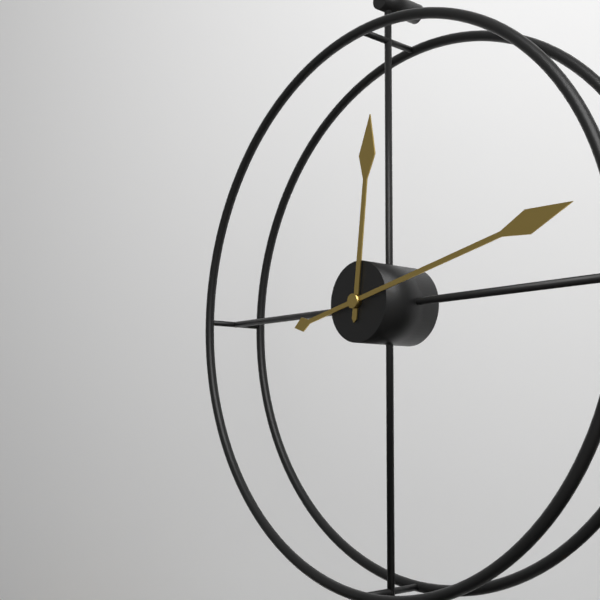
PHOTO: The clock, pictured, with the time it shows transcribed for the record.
12:13
